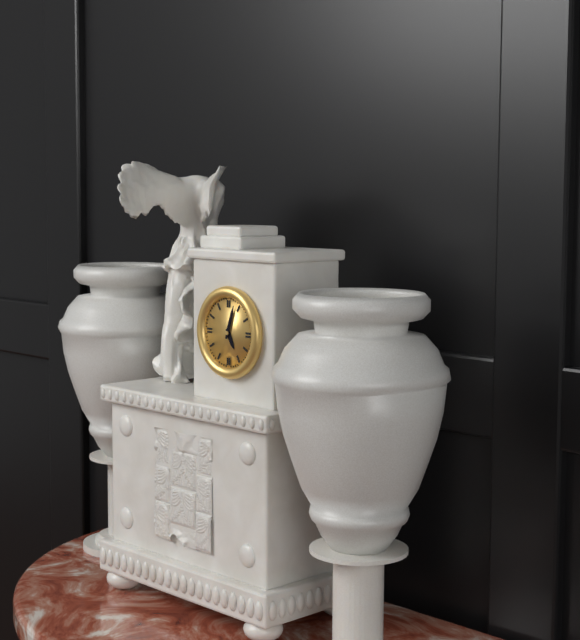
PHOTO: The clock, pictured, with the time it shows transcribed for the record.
5:03
